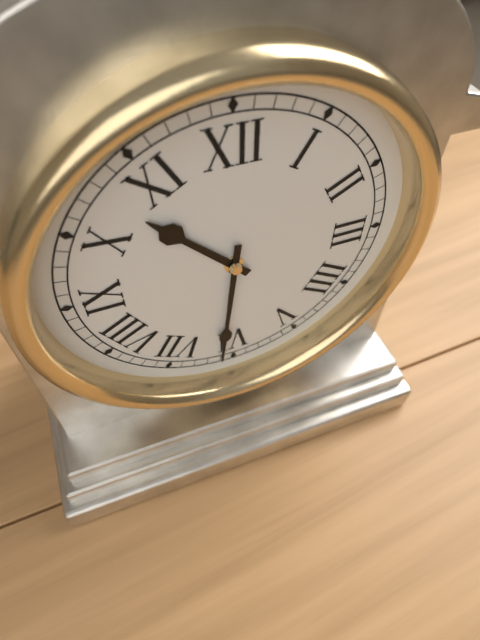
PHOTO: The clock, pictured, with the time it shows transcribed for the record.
10:31
